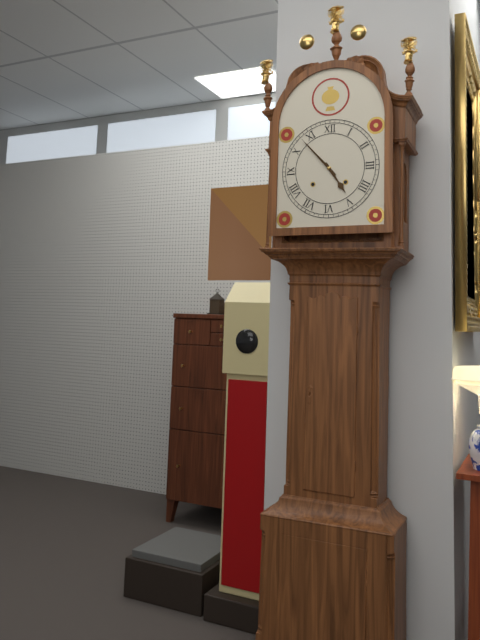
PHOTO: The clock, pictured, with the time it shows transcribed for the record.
4:53
